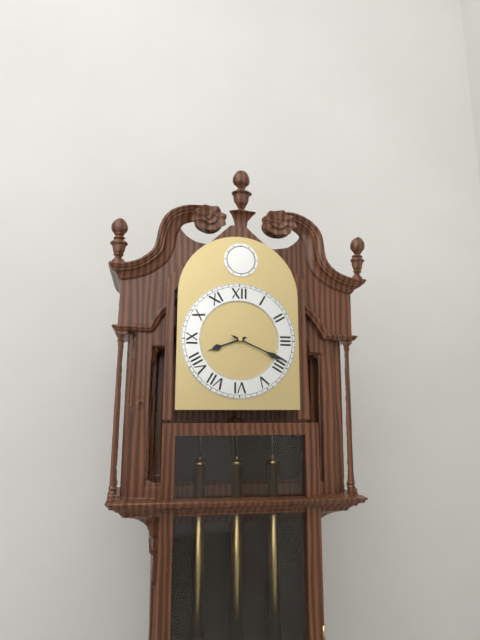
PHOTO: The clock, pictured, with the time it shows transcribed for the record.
8:19
